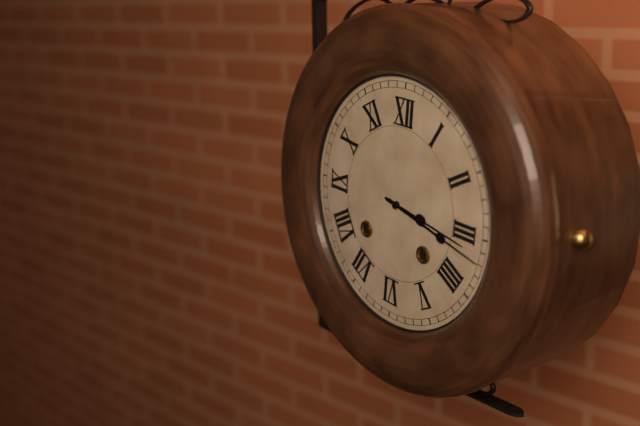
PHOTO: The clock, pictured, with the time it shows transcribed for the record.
3:17
